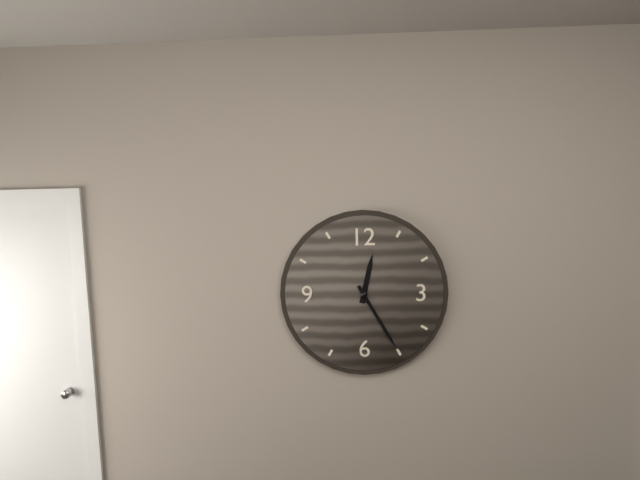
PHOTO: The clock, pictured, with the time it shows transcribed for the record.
12:25
